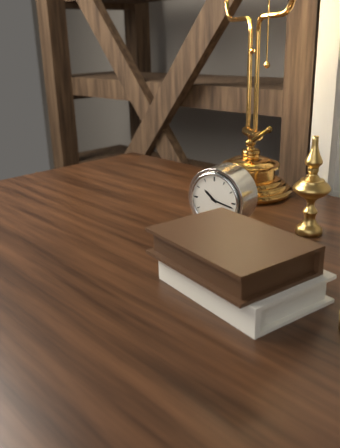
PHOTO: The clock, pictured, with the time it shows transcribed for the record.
10:17
